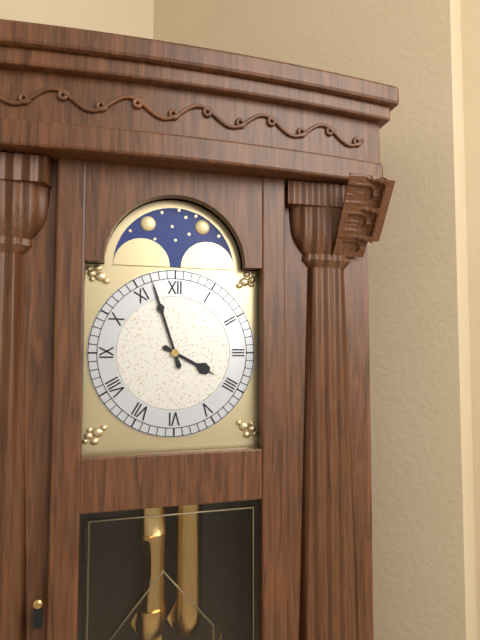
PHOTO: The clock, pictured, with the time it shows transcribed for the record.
3:57
